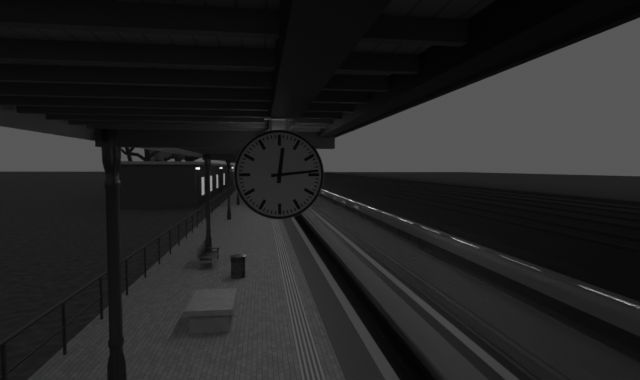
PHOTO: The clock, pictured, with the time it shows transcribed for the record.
12:14
